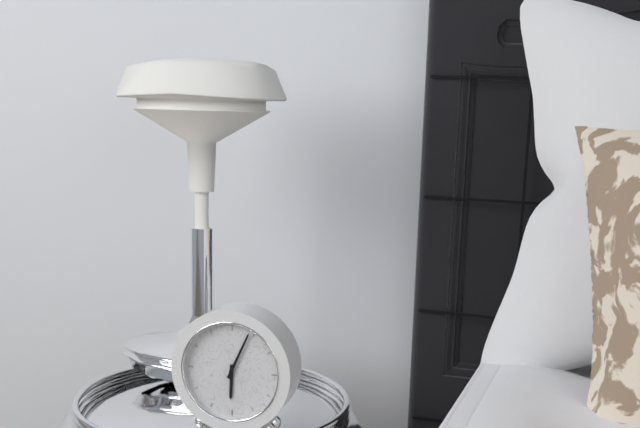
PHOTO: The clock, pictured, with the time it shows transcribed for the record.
6:04
